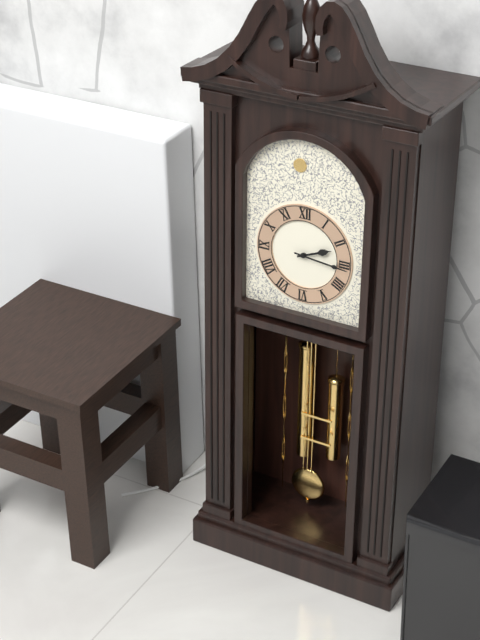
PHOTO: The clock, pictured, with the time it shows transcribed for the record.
2:16
